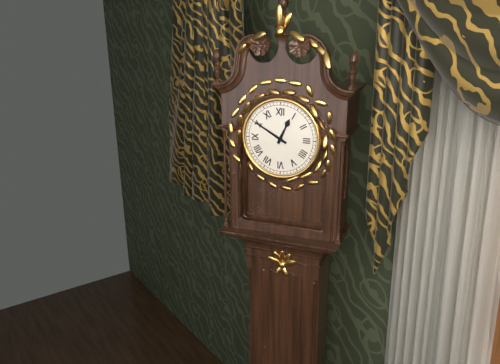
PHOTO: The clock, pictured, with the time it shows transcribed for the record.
12:50
